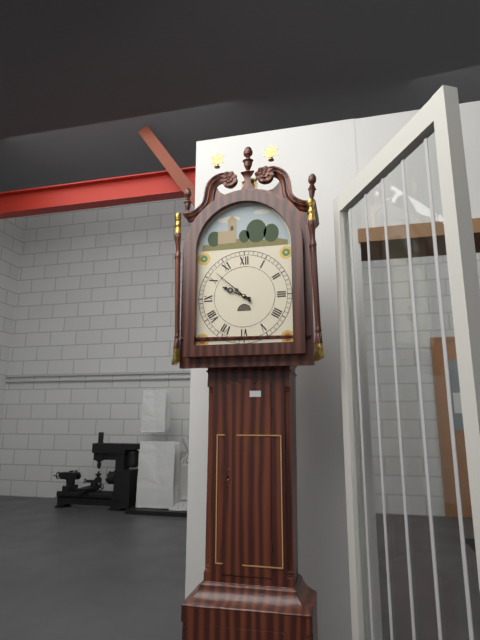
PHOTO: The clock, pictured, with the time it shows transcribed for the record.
9:52
